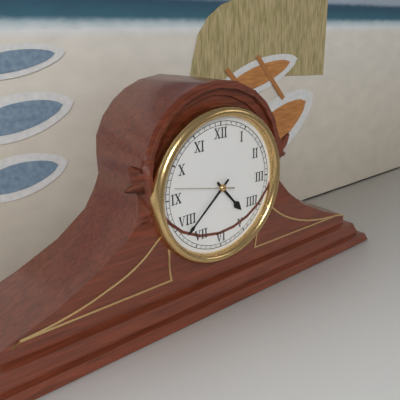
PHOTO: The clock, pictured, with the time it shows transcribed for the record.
4:38:47
